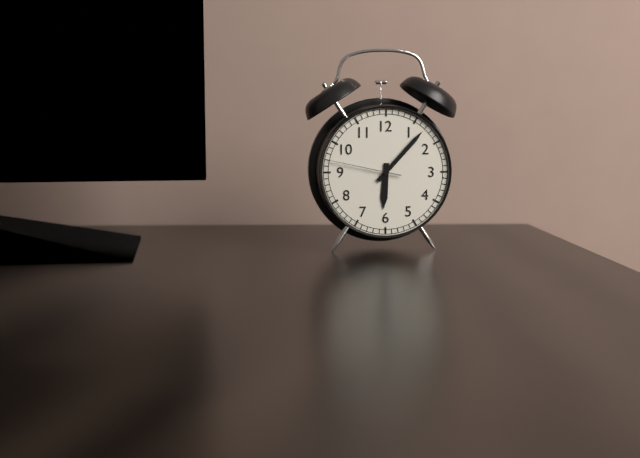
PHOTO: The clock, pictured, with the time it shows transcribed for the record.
6:07:47
